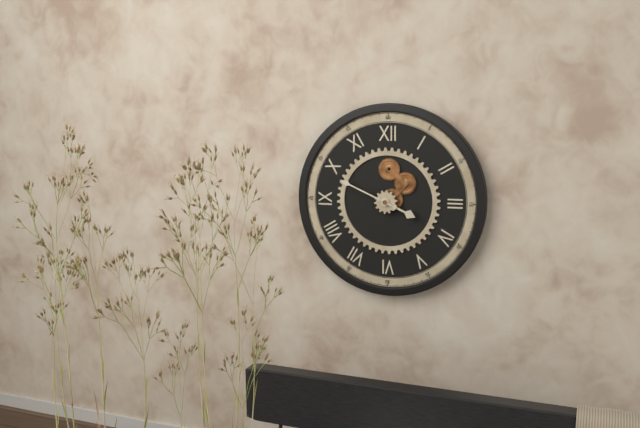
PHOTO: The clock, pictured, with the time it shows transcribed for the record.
3:49
